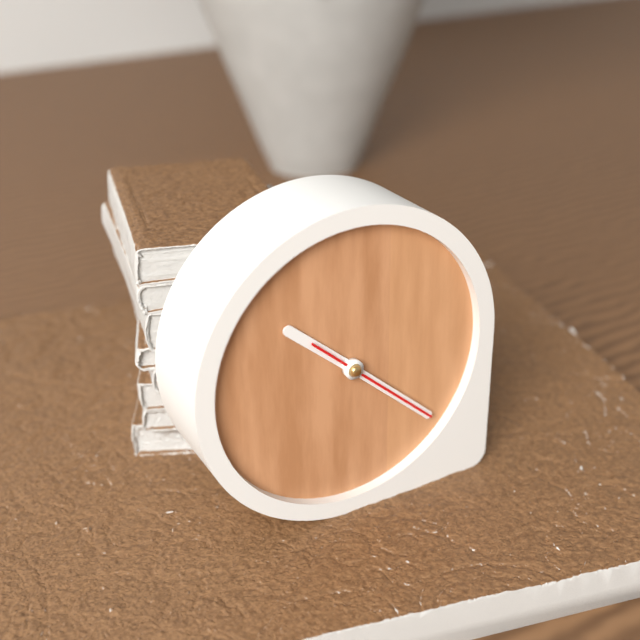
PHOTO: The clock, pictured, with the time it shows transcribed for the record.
10:22:22
